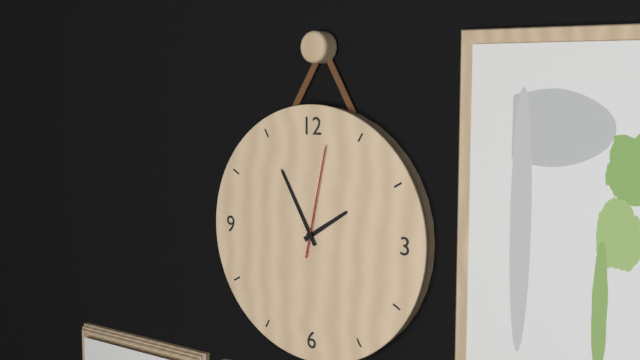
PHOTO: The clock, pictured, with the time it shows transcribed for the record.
1:55:02
